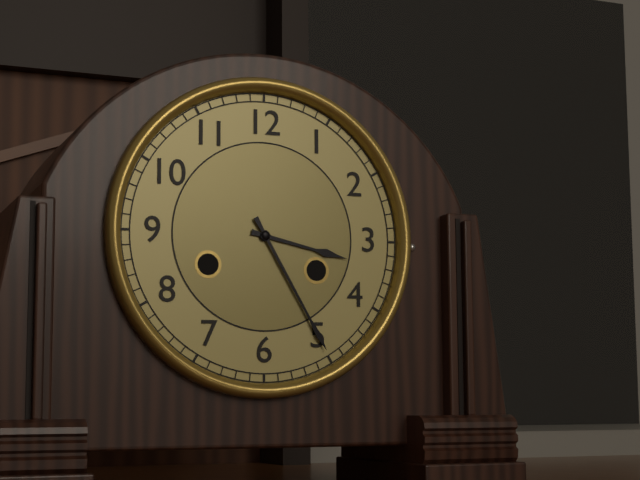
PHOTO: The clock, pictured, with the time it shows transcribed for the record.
3:25
